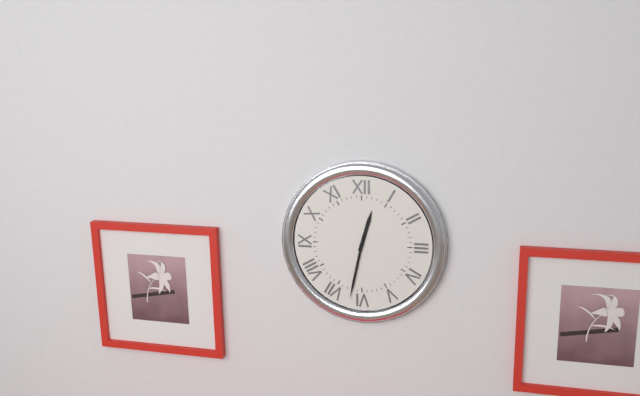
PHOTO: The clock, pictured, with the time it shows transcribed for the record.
12:32
